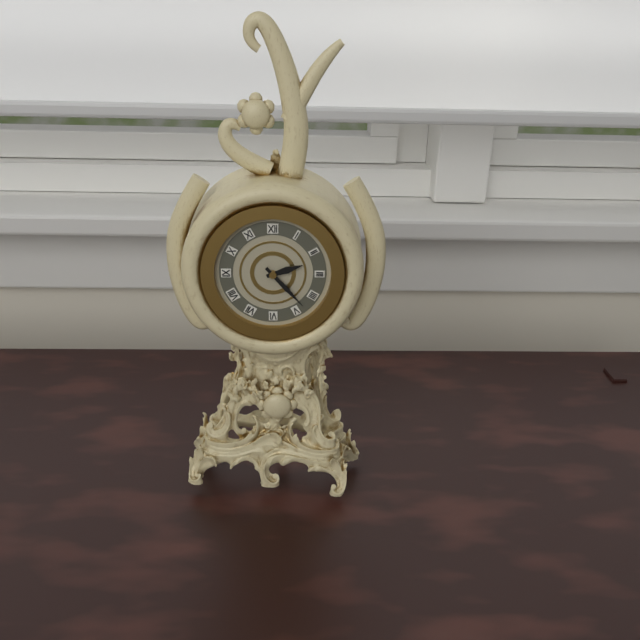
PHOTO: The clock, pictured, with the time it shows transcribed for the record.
2:23
